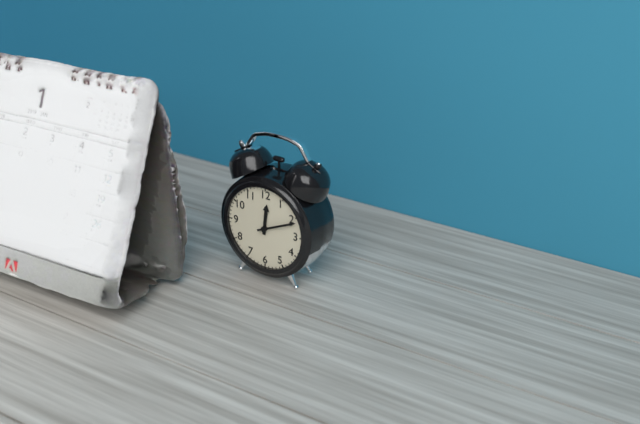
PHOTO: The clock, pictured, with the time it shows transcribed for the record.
12:11
